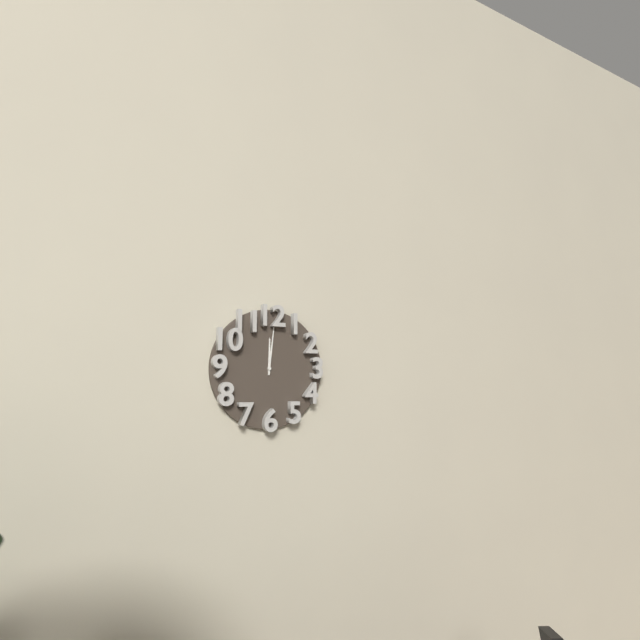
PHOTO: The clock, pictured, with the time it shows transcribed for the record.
12:01
